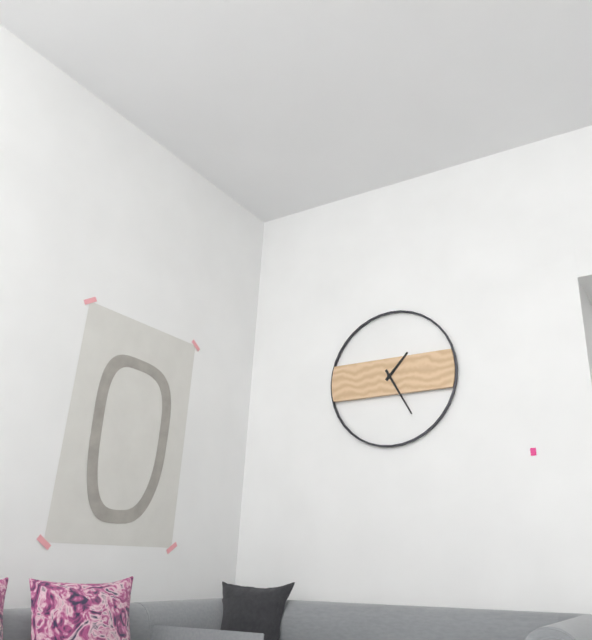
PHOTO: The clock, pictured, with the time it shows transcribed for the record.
1:25
